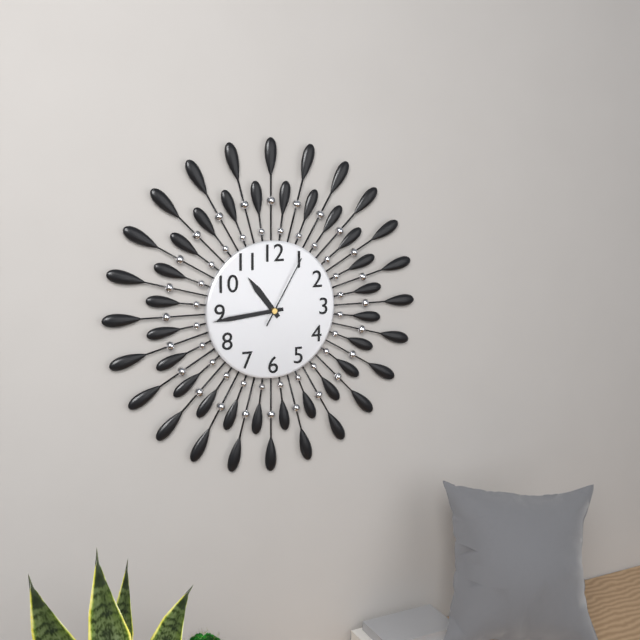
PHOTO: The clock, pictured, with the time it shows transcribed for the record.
10:44:05
